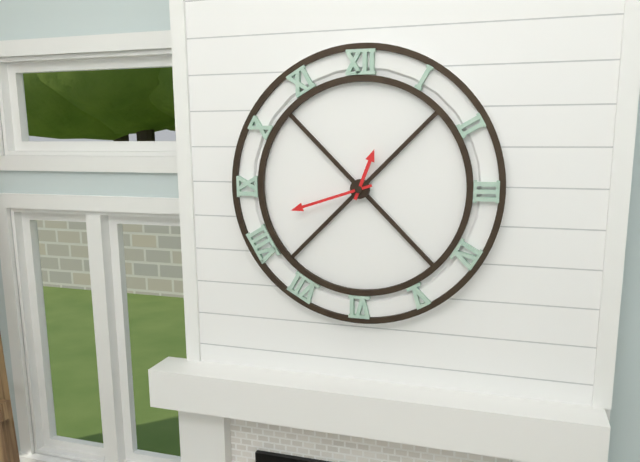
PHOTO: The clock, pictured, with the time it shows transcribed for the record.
12:42
